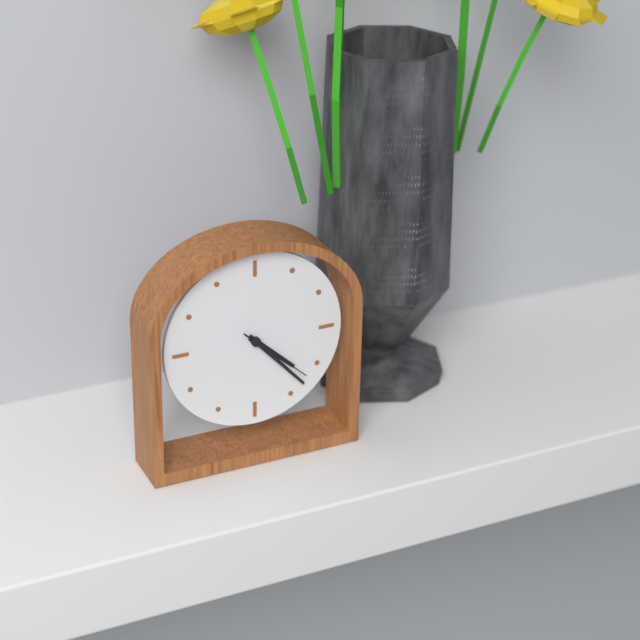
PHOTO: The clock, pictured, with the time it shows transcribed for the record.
4:23:22
